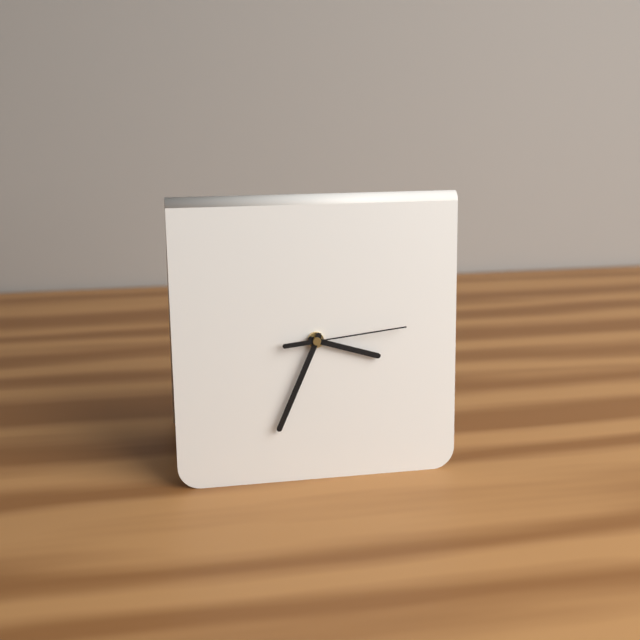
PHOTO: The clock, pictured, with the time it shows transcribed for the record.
3:34:14
